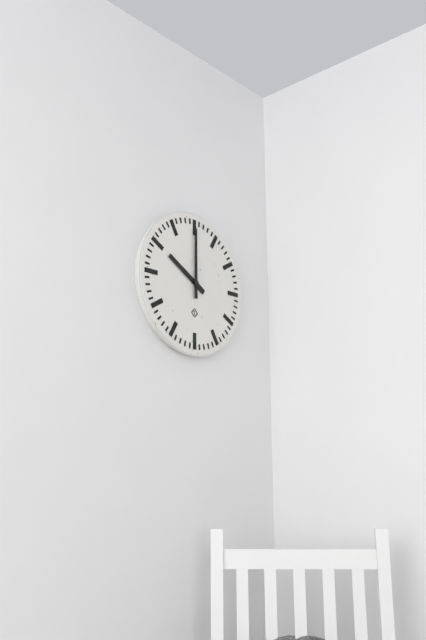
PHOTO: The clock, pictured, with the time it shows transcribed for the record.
10:00
